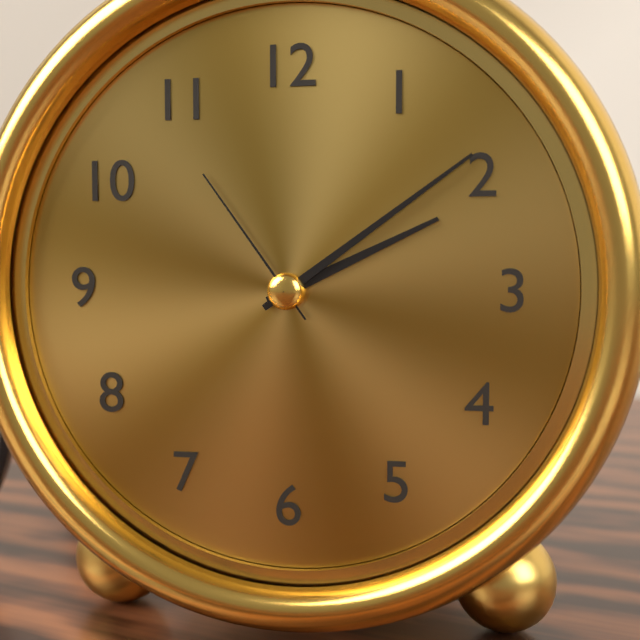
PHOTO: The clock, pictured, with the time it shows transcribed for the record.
2:09:54
